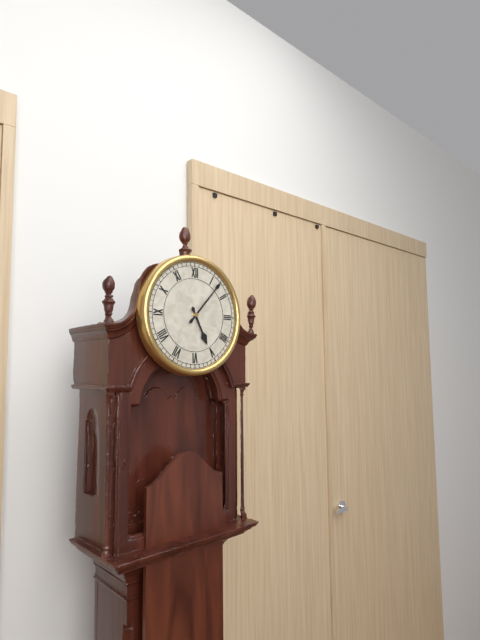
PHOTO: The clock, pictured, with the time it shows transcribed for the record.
5:07
